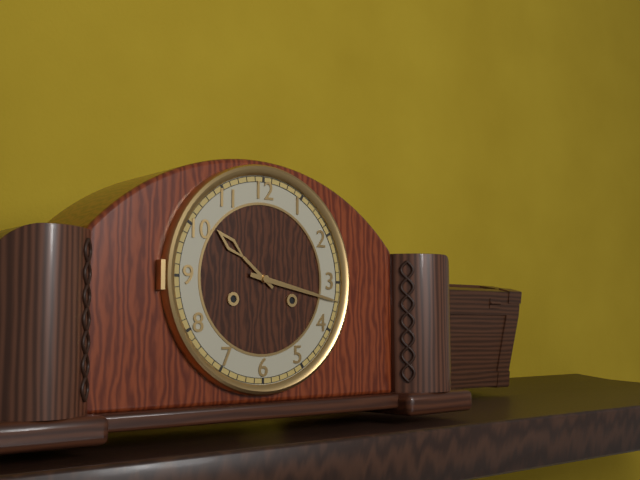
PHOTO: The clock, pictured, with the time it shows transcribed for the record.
10:17
